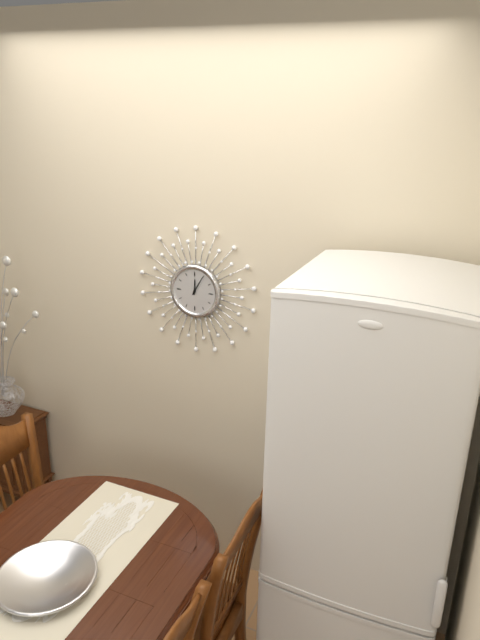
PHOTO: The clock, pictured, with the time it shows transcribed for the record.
12:05
